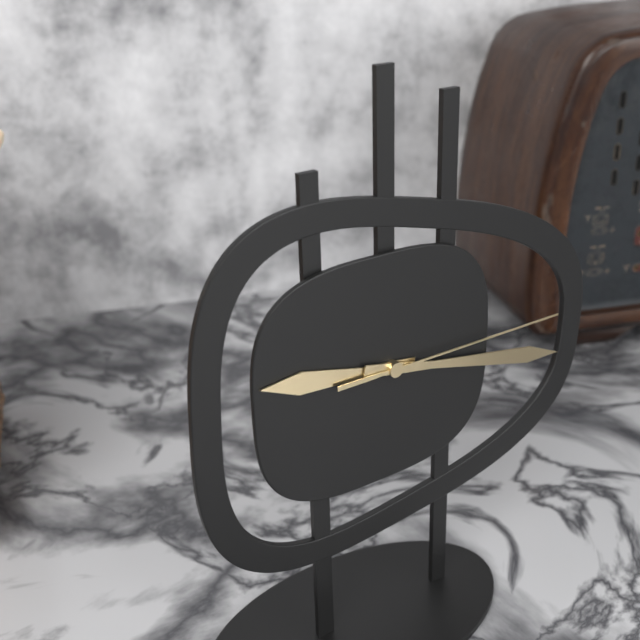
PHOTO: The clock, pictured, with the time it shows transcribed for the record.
9:17:15
